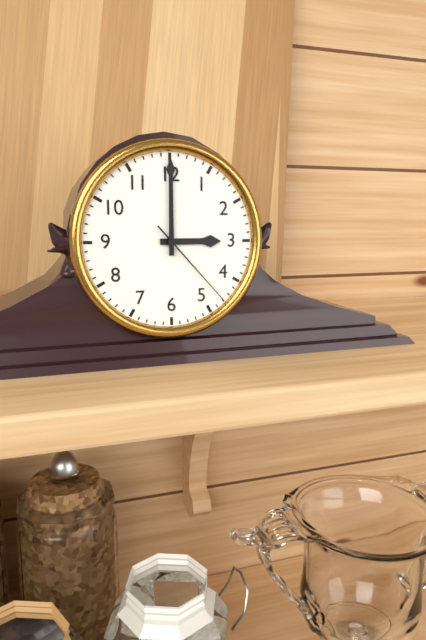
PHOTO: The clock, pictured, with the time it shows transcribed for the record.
3:00:23
